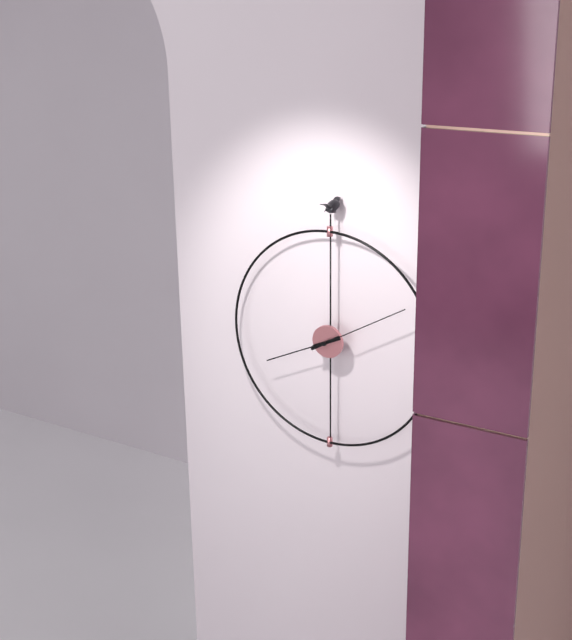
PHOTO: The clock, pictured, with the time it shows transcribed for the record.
8:10
